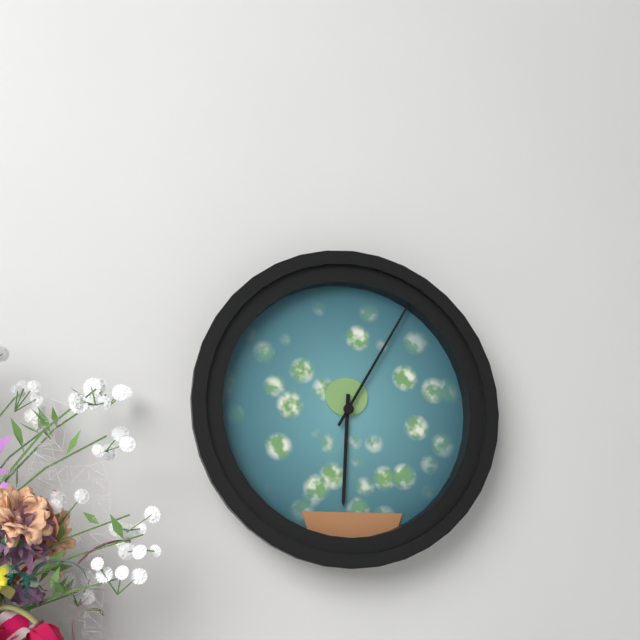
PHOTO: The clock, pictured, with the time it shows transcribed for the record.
6:05
